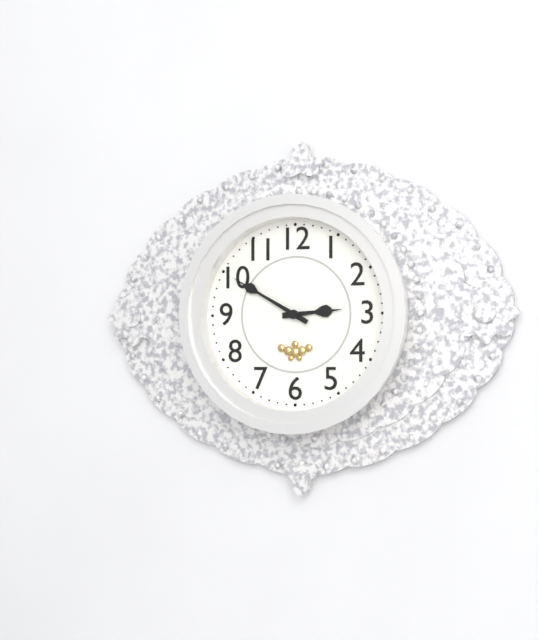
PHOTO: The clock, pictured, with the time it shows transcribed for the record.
2:50
